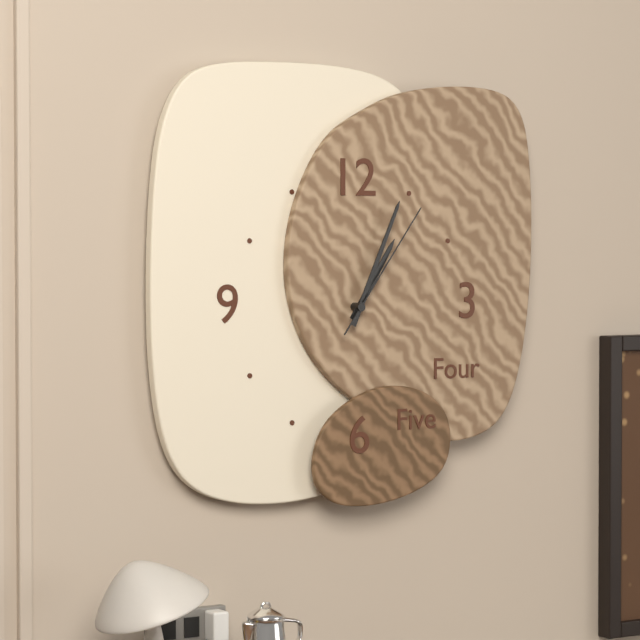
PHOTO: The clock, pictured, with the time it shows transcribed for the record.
1:04:06
